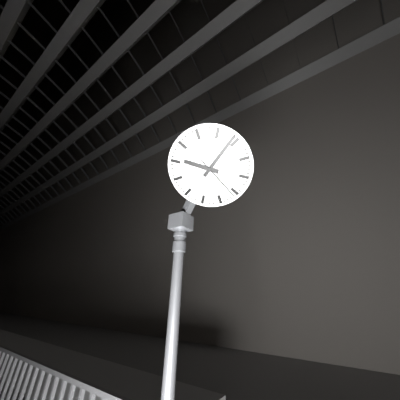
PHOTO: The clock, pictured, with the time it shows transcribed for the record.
10:09
